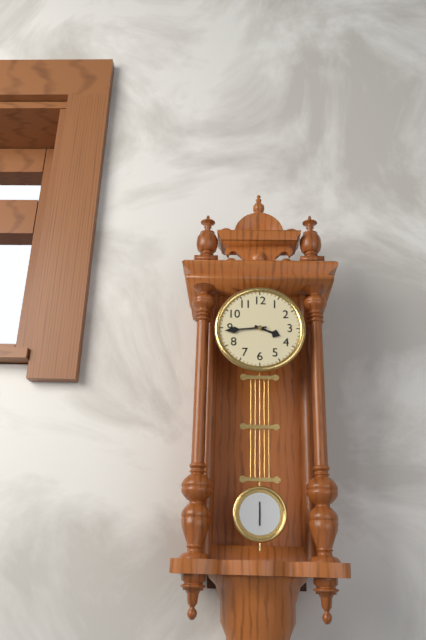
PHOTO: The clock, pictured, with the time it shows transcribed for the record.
3:44
